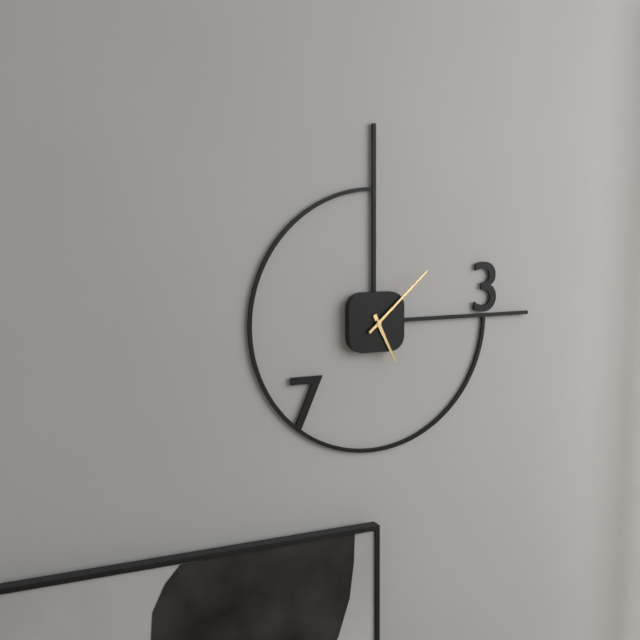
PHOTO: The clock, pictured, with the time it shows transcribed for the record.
5:08
